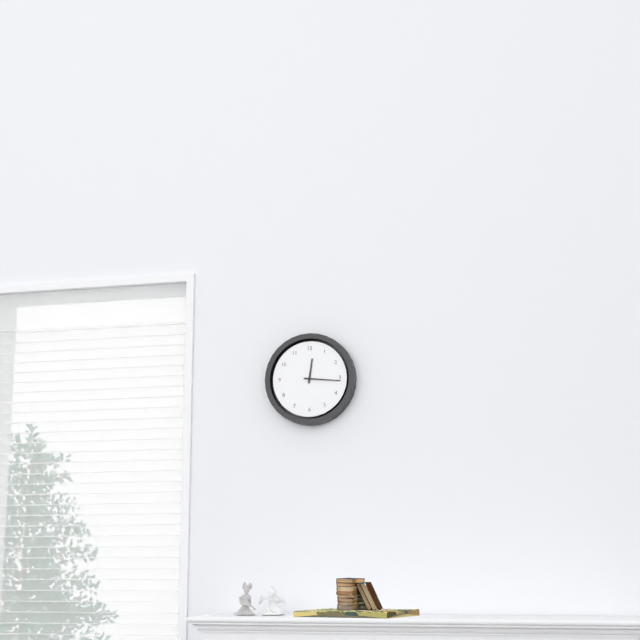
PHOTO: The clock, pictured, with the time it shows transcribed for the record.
12:16
